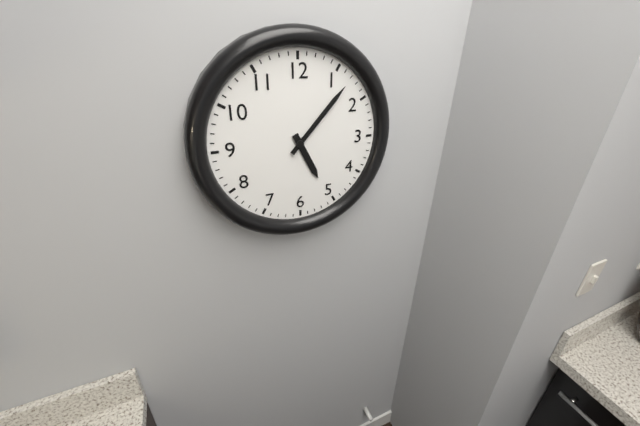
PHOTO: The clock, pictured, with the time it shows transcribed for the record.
5:07
